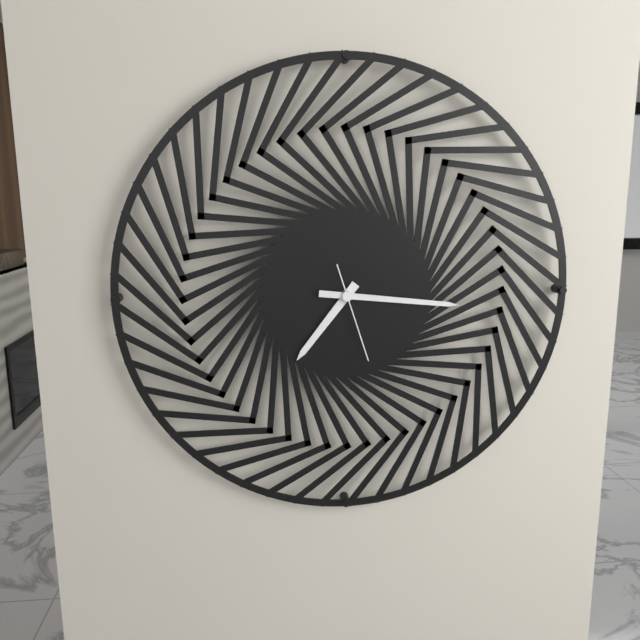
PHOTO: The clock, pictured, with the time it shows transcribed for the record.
7:16:27
